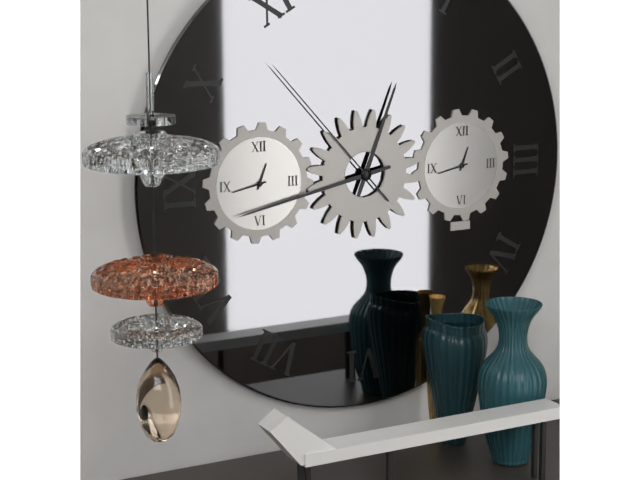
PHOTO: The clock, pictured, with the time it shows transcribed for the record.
12:43:53
